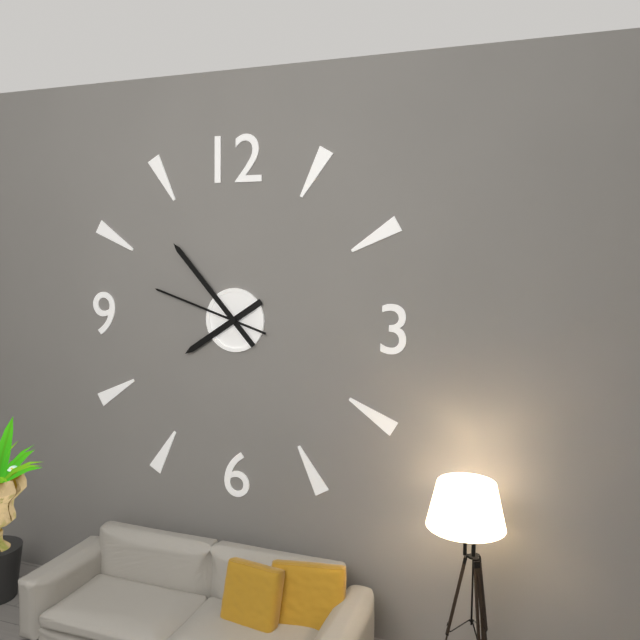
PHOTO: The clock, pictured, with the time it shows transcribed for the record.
7:53:48
